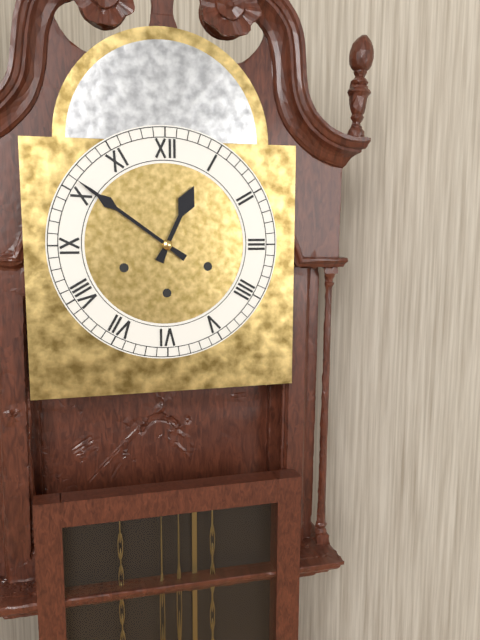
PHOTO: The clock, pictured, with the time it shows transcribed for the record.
12:51
